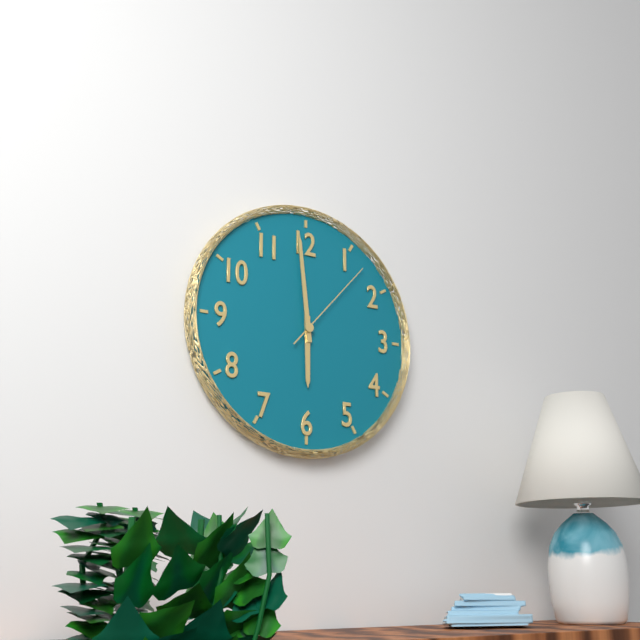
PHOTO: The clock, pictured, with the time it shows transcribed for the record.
5:59:07
